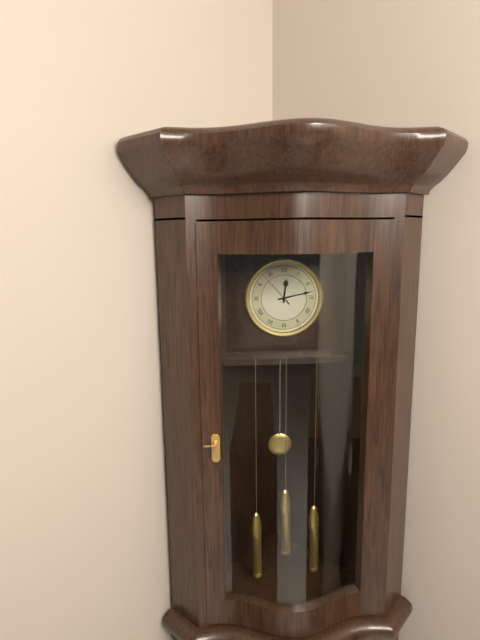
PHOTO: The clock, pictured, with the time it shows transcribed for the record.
12:13
